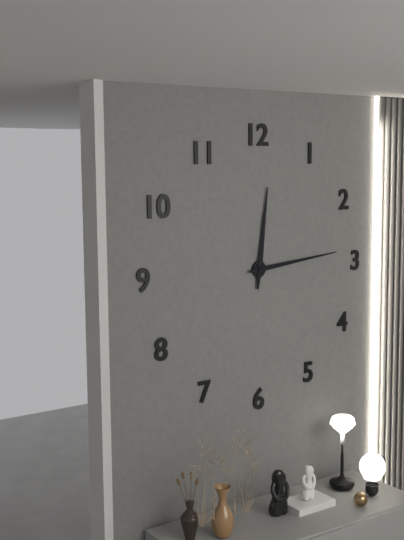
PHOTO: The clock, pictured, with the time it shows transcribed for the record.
12:14
